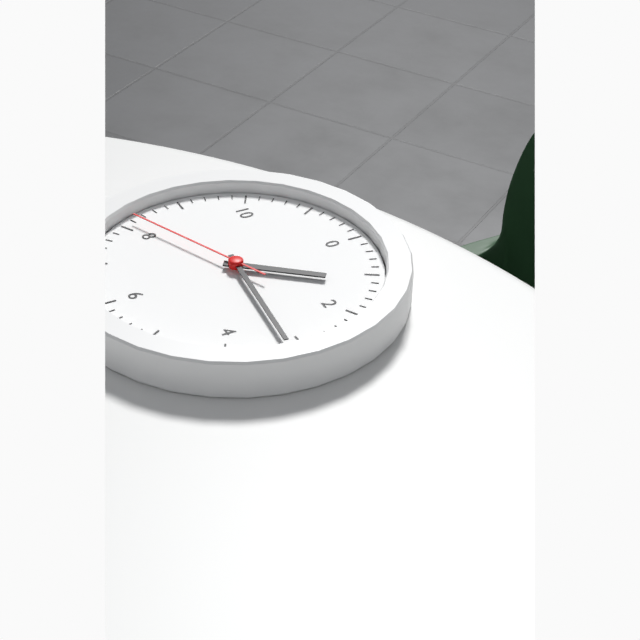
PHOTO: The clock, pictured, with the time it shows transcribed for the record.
1:16:41
